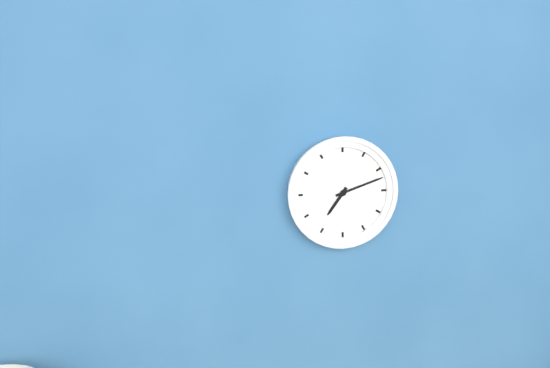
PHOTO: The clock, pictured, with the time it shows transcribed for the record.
7:12
